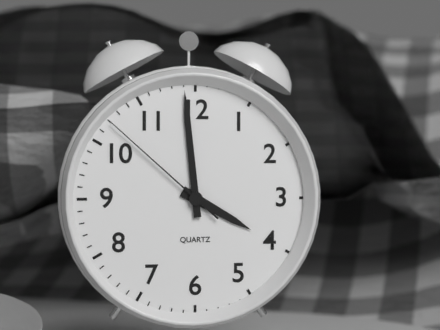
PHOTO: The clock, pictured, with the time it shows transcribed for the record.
3:59:52
